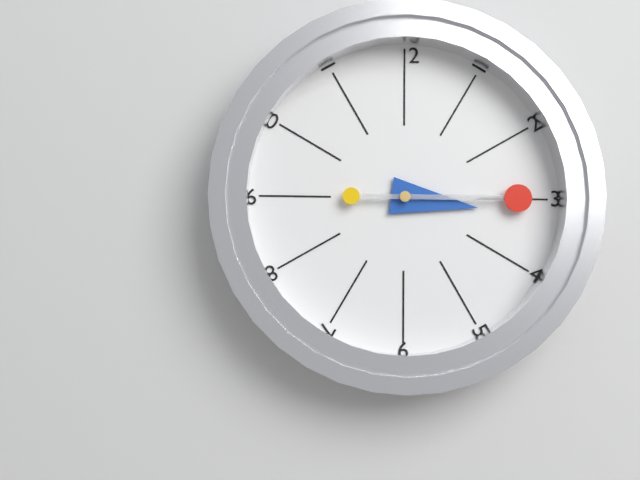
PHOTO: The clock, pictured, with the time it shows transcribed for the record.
3:15
